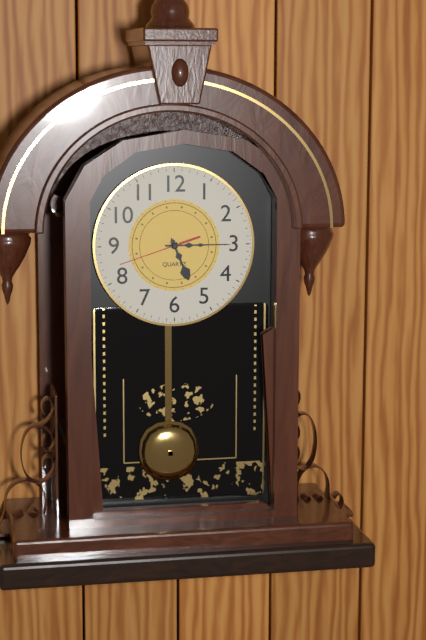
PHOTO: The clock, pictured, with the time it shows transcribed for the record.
5:15:42
